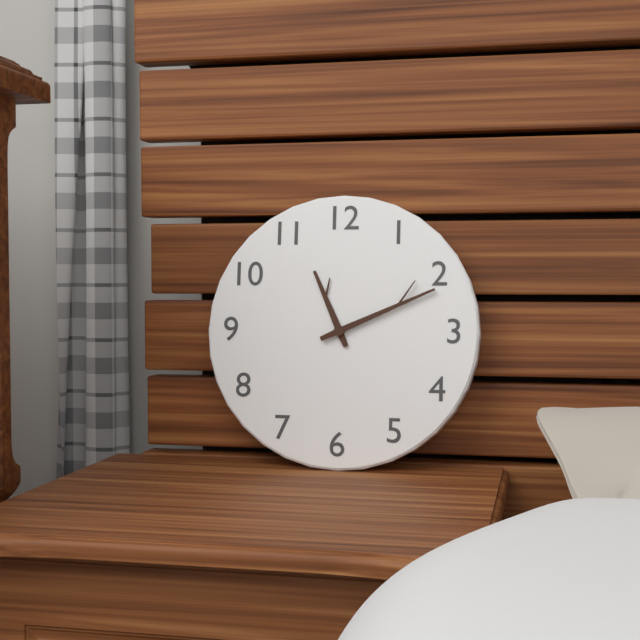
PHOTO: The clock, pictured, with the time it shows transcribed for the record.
11:11
